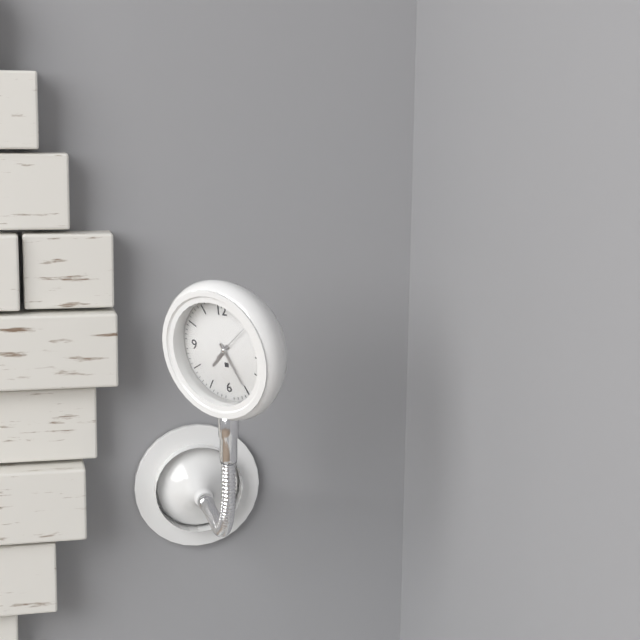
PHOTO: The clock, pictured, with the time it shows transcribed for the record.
7:25
